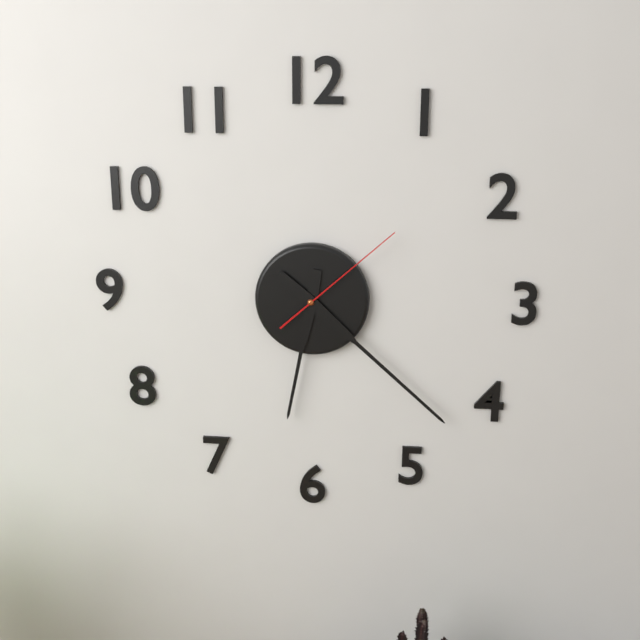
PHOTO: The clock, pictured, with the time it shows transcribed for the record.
6:22:08
